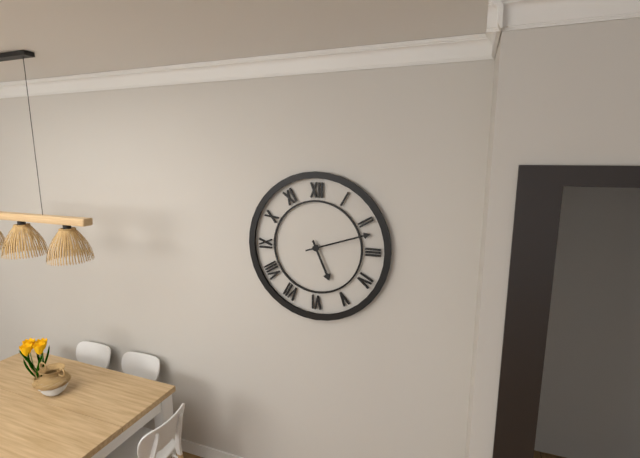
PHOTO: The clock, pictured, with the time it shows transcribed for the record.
5:12
